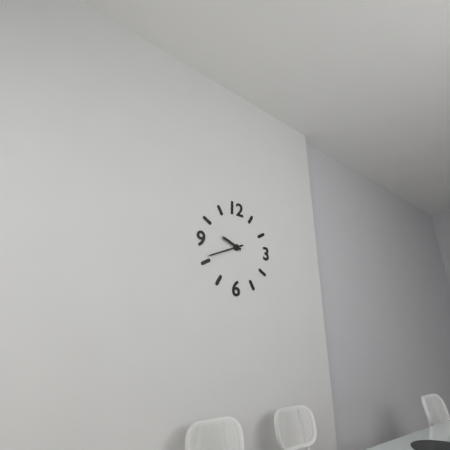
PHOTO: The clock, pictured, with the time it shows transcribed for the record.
9:41
